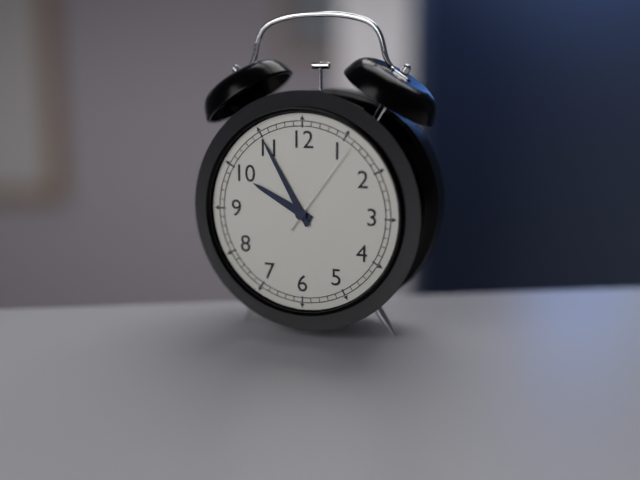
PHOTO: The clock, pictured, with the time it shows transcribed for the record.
9:55:06
